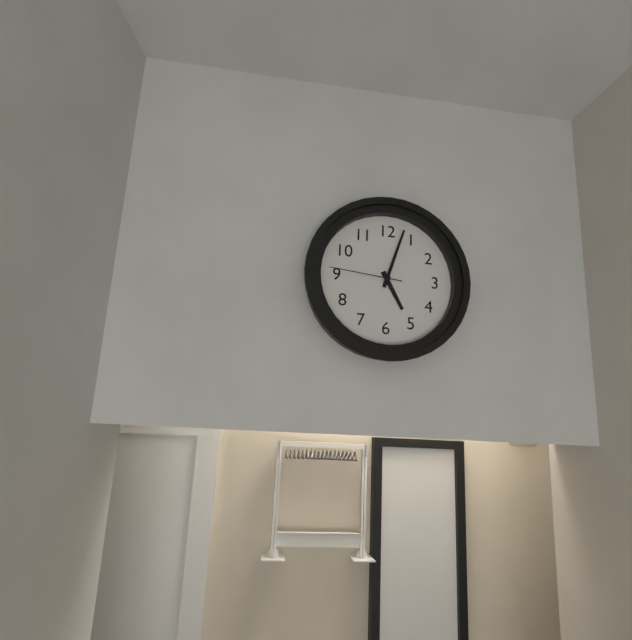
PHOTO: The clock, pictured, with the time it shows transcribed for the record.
5:03:46
